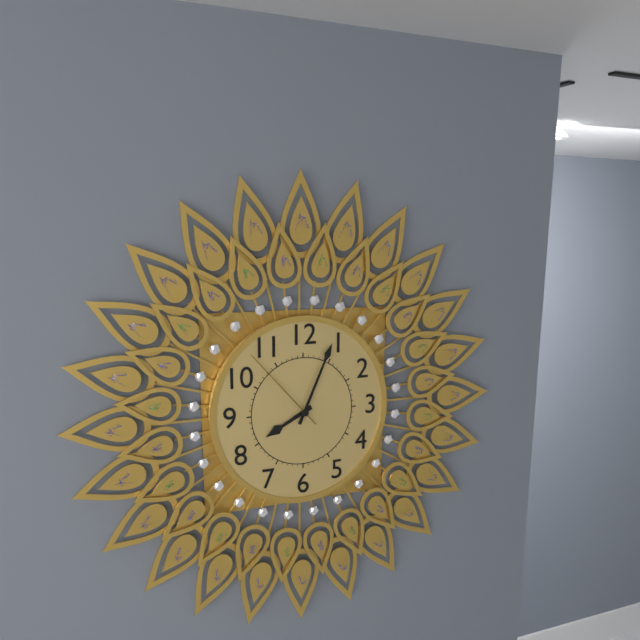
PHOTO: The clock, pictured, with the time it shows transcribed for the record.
8:04:53
